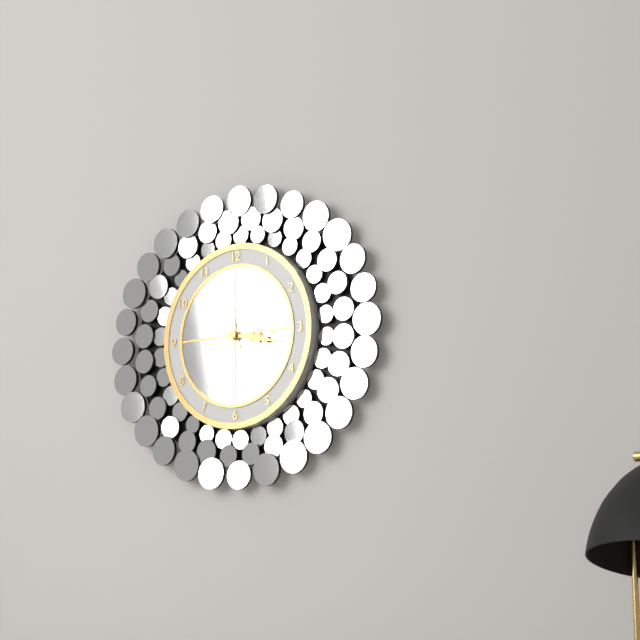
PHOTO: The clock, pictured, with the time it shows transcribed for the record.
3:17:58
